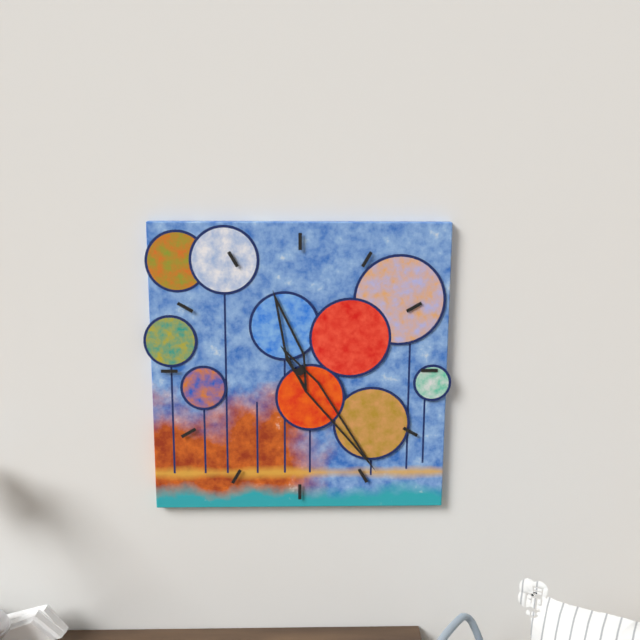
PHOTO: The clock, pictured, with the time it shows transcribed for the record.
11:24
